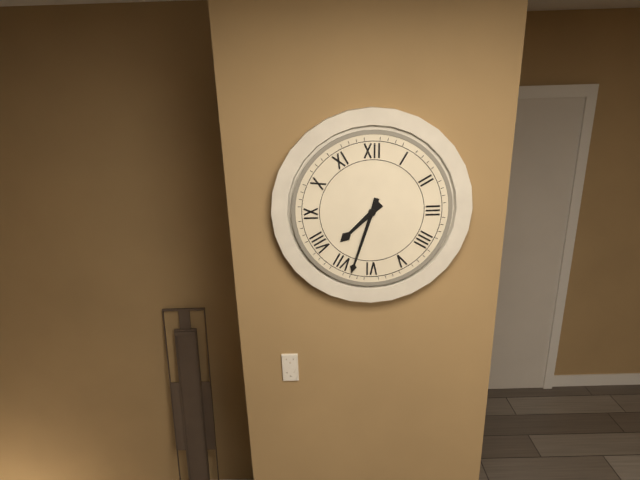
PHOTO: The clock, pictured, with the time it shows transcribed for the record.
7:33
